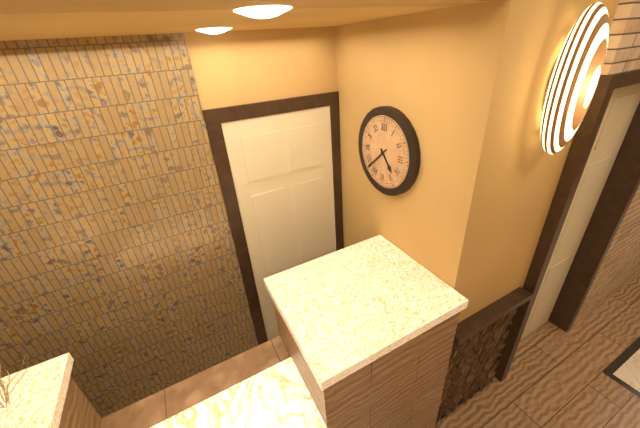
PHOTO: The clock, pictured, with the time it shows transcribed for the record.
4:38
